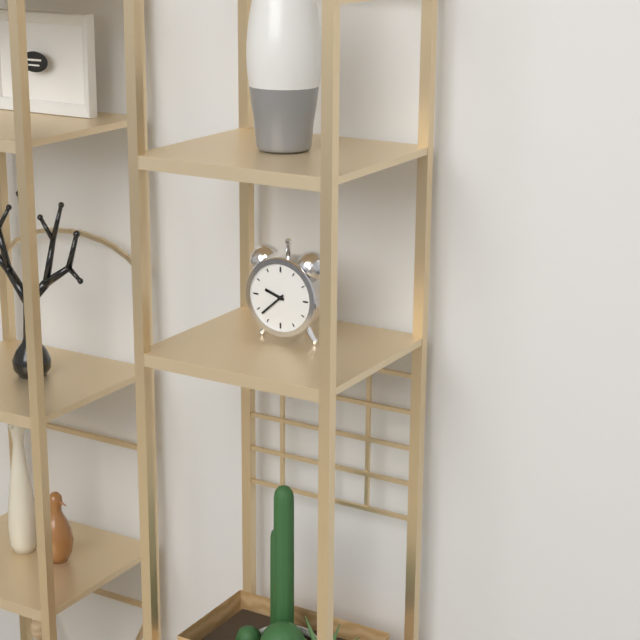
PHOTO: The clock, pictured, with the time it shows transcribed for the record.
9:38
